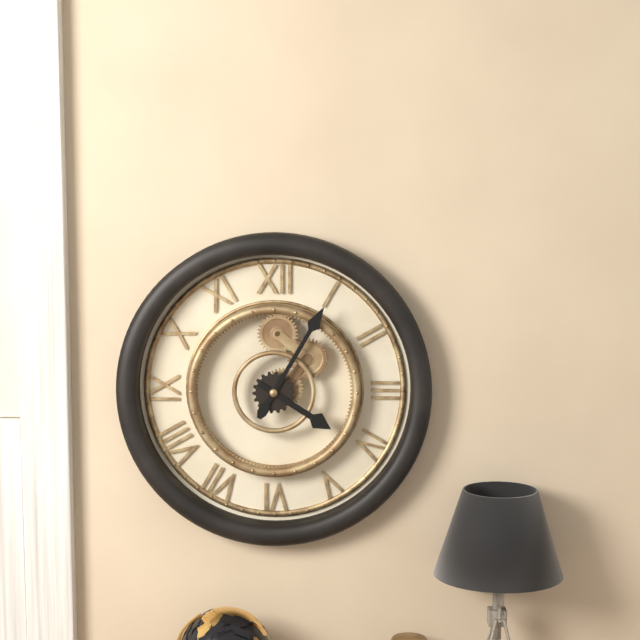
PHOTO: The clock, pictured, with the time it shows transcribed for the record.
4:05
